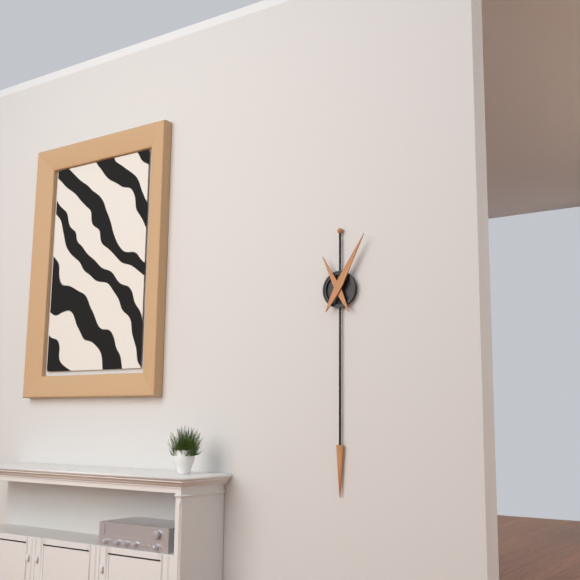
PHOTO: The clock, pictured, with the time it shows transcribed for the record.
11:05
